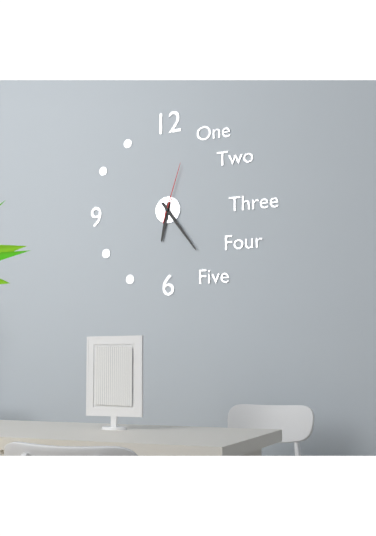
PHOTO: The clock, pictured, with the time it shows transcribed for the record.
6:24:03
